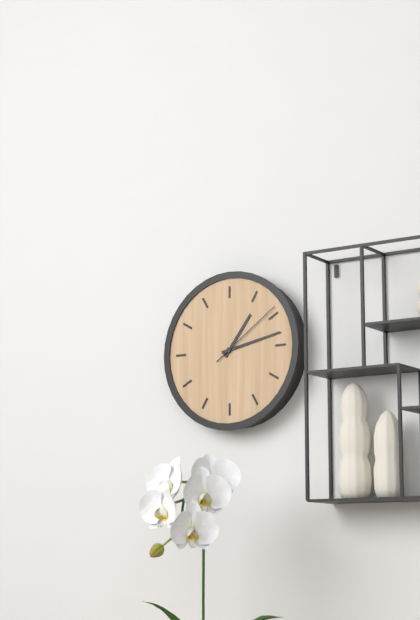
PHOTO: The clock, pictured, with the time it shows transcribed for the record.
1:13:09
